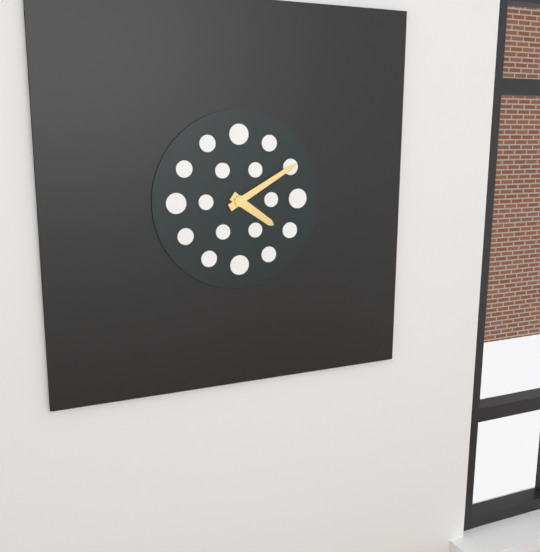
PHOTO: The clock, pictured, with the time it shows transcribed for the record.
4:10
